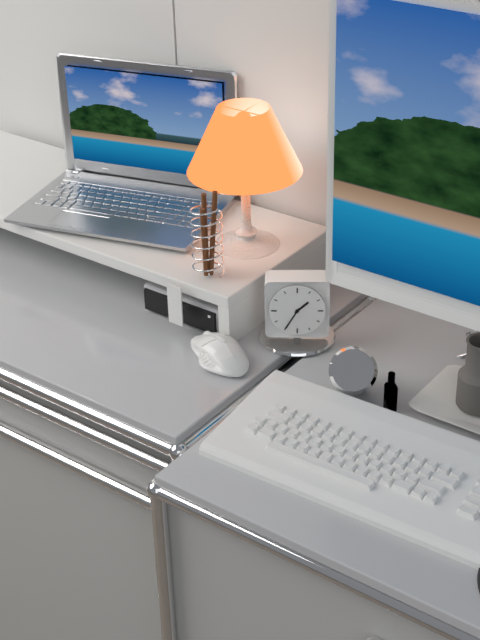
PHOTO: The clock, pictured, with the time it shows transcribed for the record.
1:35
